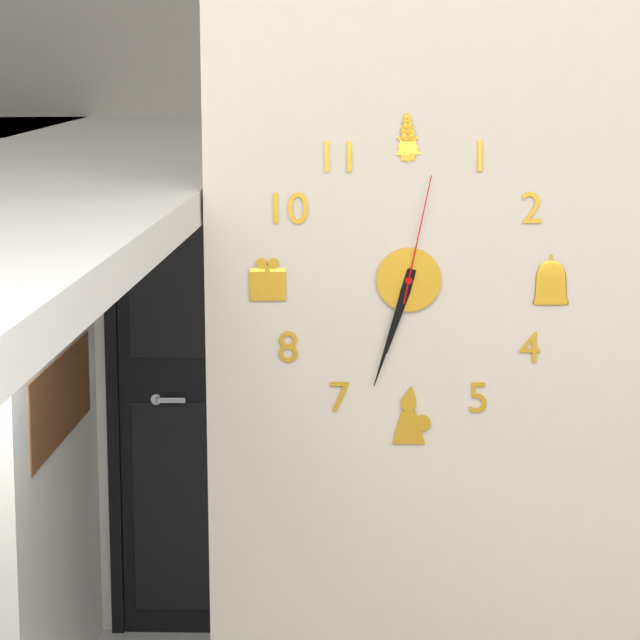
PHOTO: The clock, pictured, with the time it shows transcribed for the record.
6:33:02
